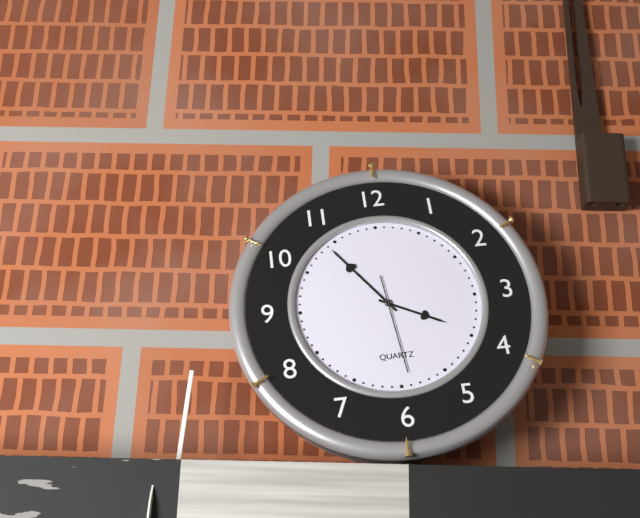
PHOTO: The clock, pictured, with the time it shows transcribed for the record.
3:54:29
